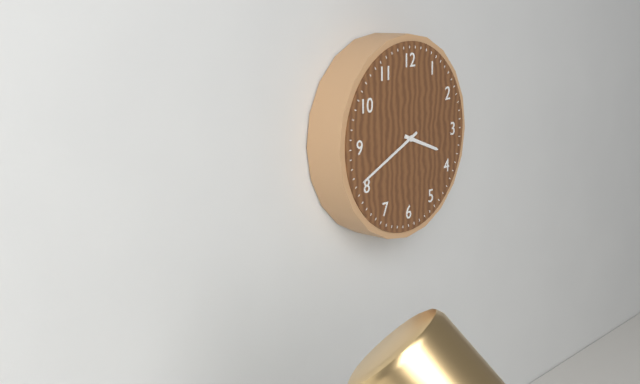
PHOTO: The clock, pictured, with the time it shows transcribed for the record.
3:41
